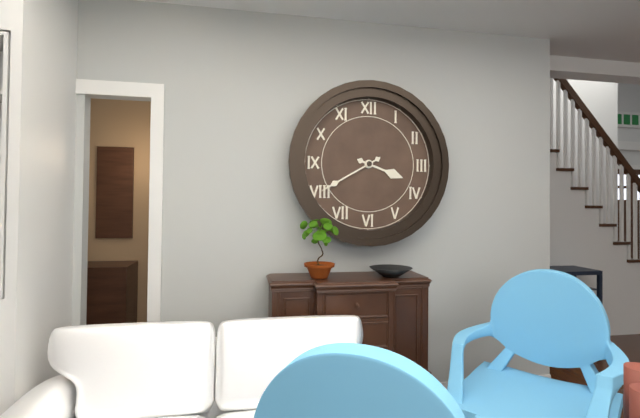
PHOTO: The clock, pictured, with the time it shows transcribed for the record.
3:40
